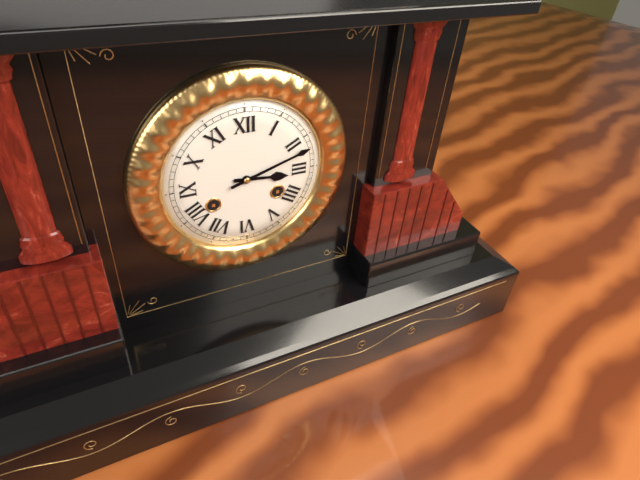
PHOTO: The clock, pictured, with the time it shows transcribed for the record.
3:12
